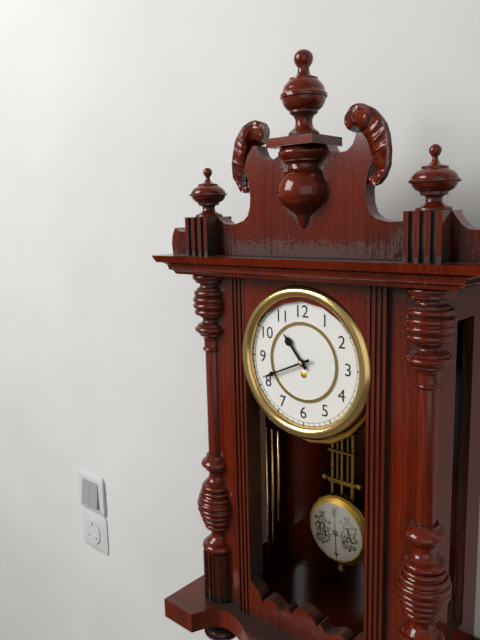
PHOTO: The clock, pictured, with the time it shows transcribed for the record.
10:41
